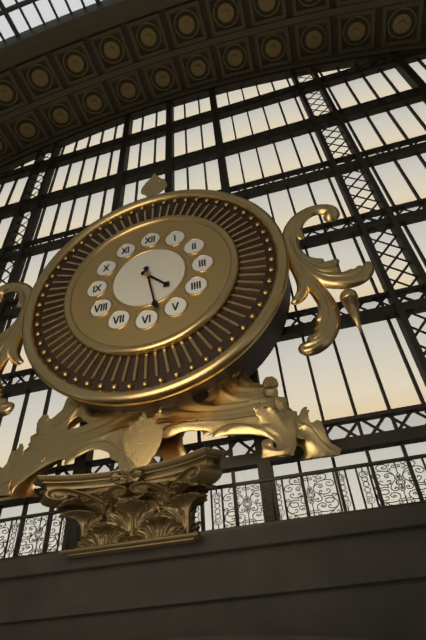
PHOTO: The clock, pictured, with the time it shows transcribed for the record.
4:28
